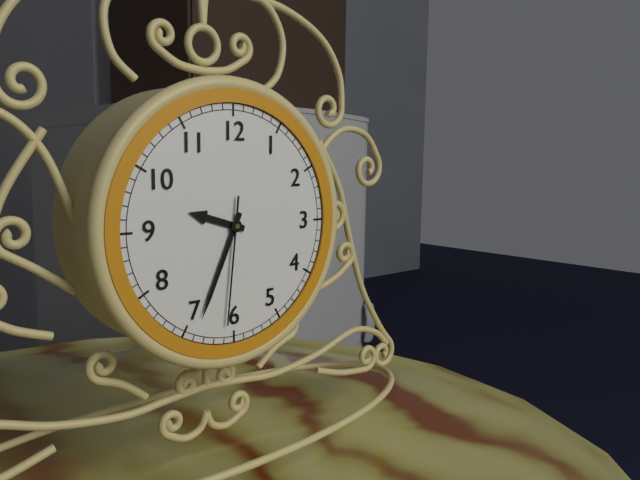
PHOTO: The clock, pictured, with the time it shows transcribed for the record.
9:34:31
